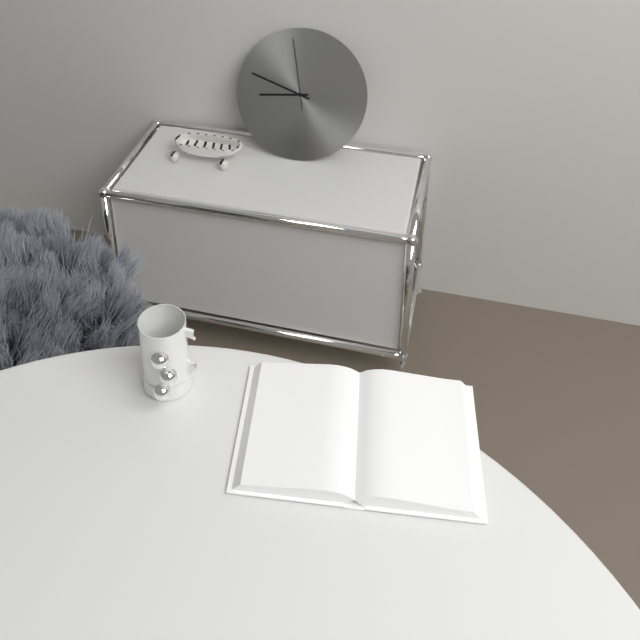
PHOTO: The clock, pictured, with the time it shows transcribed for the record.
8:48:58
